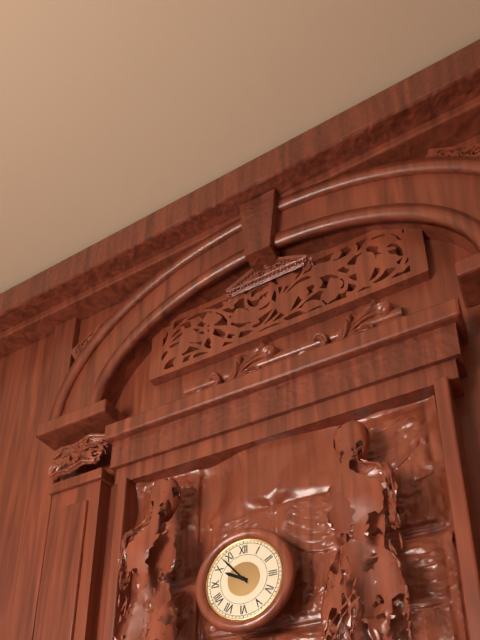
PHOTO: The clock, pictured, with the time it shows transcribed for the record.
9:53
